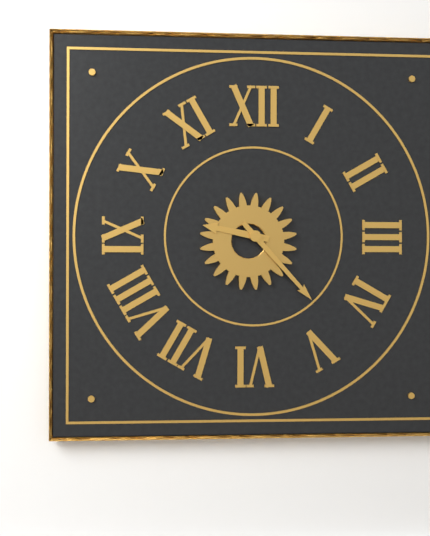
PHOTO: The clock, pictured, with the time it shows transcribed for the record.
9:23
